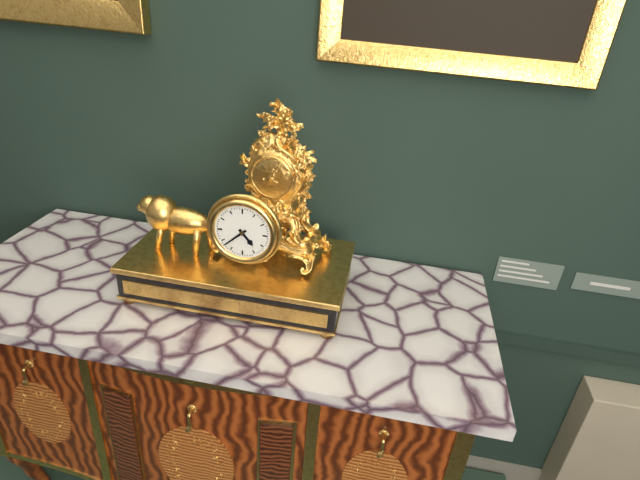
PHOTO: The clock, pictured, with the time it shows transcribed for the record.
4:38
